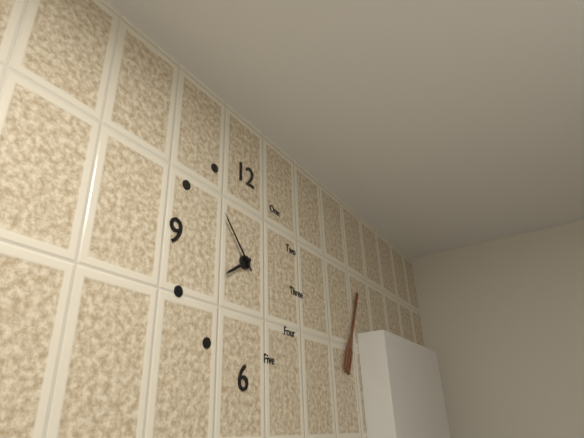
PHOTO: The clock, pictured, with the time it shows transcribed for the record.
7:53
